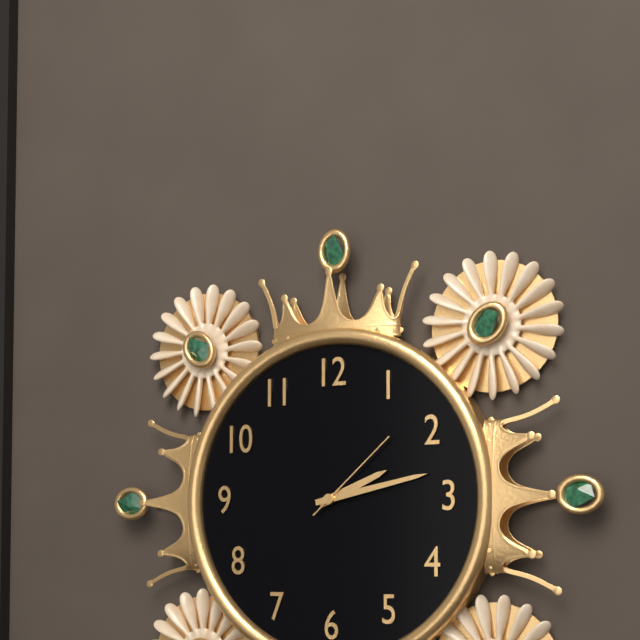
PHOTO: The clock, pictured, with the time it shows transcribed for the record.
2:13:08
